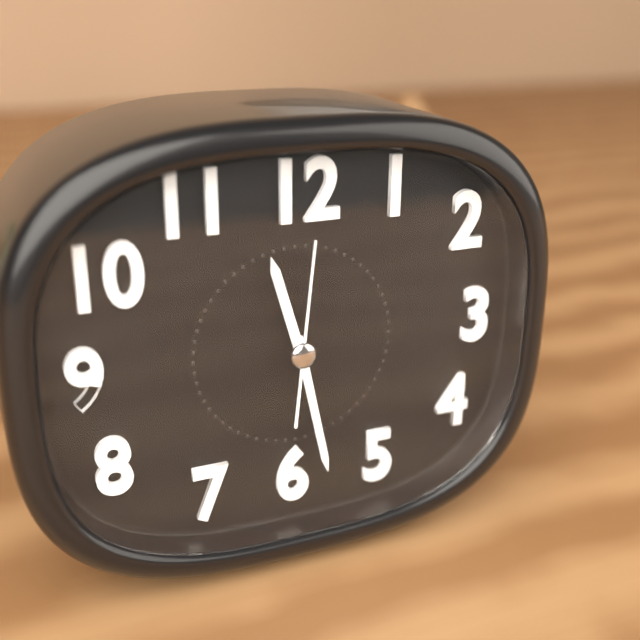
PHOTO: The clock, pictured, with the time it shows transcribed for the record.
11:28:01
